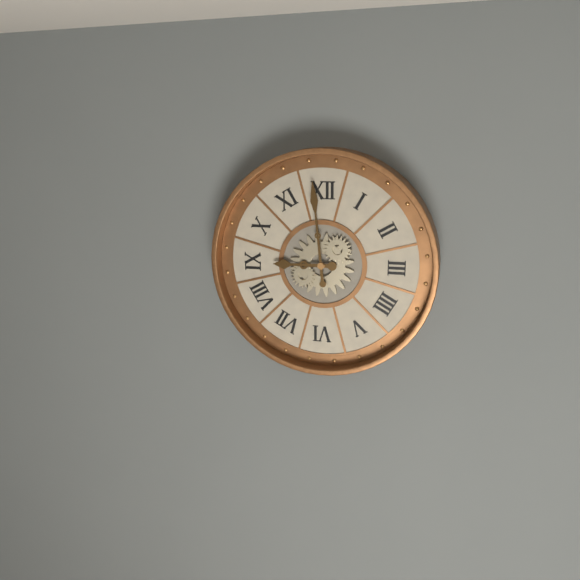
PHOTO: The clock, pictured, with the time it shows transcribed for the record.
8:59
